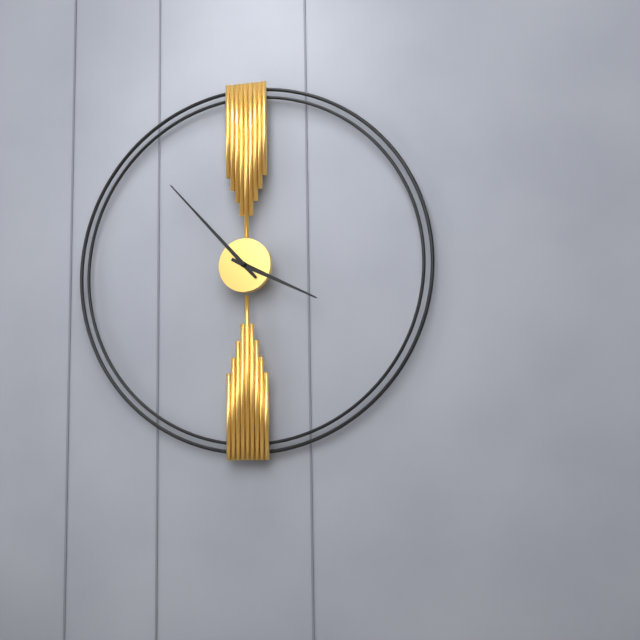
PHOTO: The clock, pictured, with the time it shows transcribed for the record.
3:53
